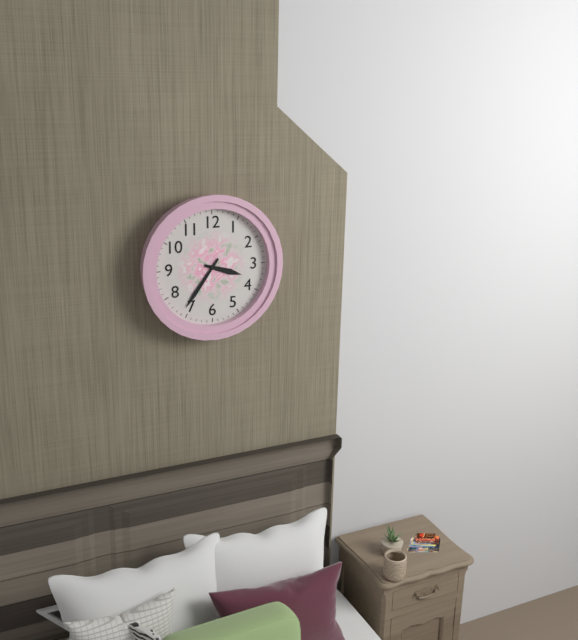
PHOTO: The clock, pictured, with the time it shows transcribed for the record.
3:36
